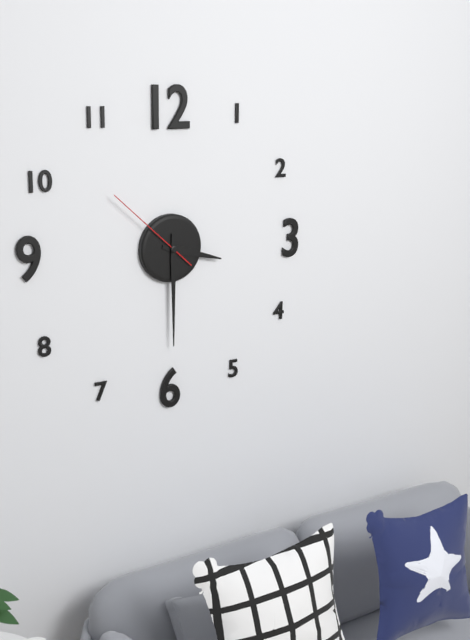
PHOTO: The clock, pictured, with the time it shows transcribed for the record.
3:30:52
